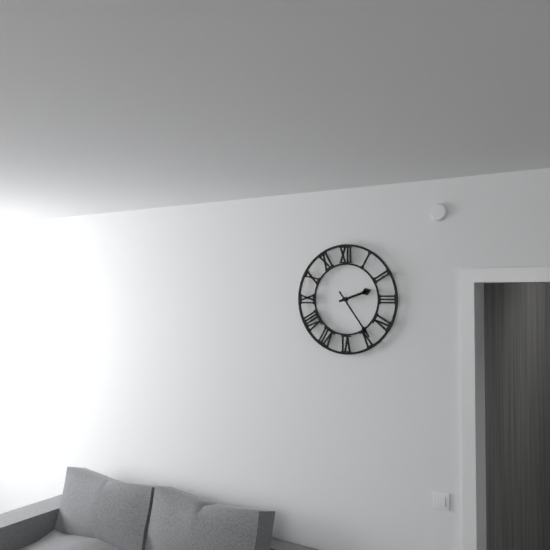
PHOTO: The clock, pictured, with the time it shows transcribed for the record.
2:24
